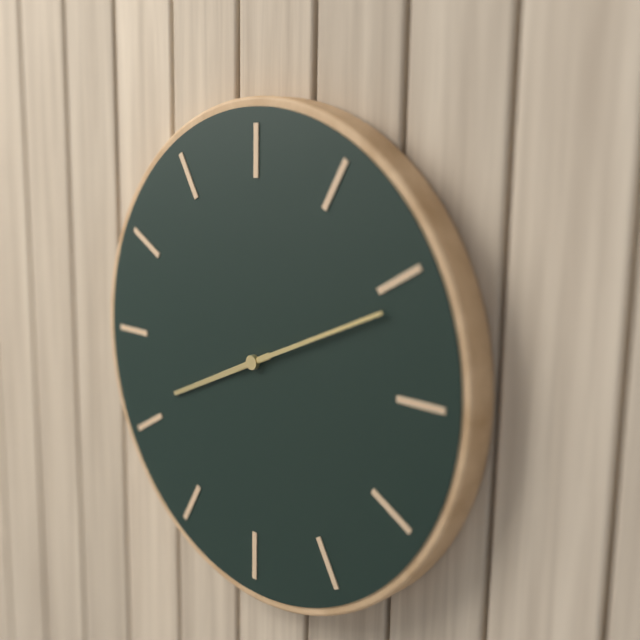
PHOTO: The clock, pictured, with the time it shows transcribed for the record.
8:11
